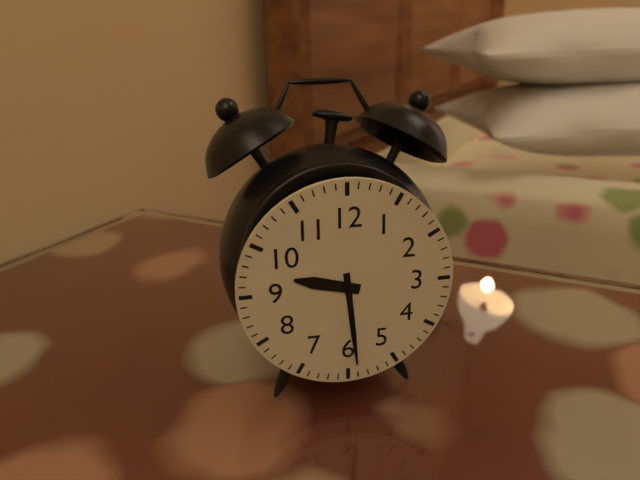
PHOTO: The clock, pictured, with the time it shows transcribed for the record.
9:29
